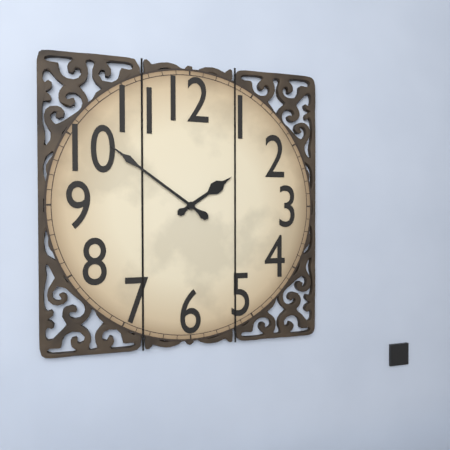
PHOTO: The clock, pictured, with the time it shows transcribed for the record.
1:51
